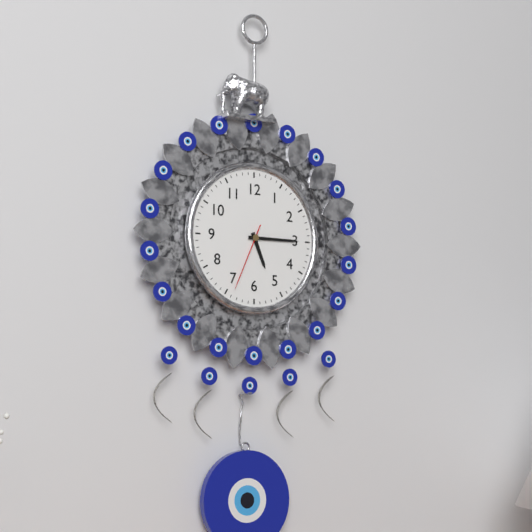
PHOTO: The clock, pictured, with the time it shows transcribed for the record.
5:15:34
